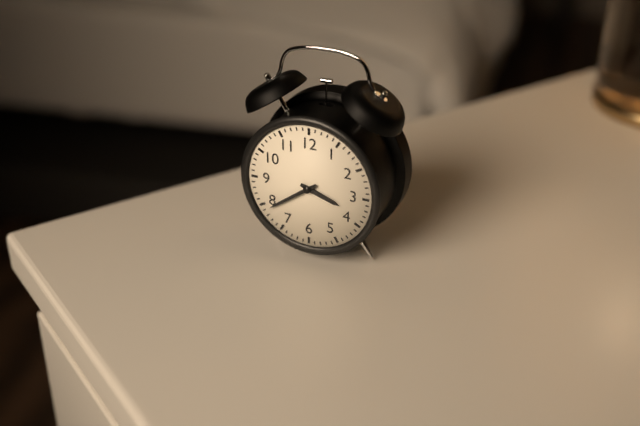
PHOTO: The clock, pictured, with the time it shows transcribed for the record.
3:39
